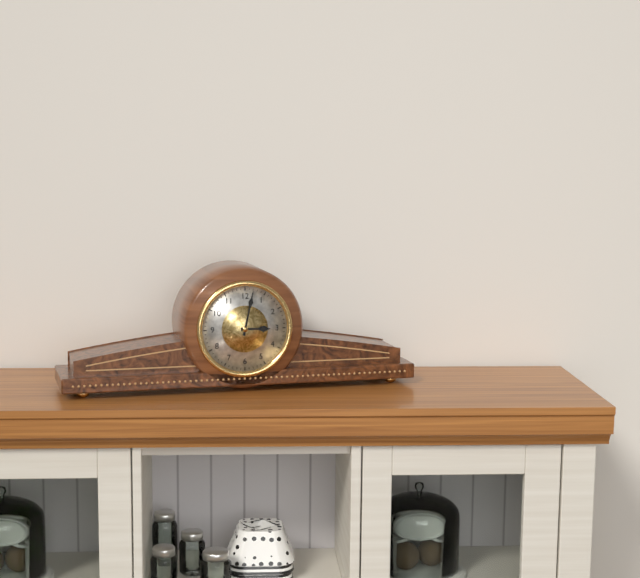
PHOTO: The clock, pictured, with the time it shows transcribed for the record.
3:02
